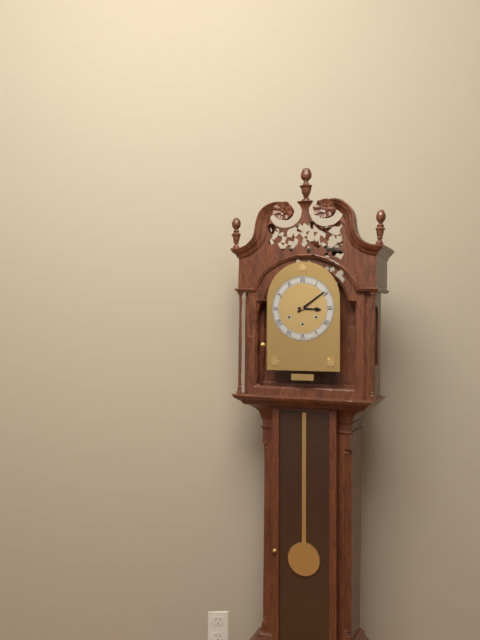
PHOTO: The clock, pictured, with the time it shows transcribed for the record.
3:09
